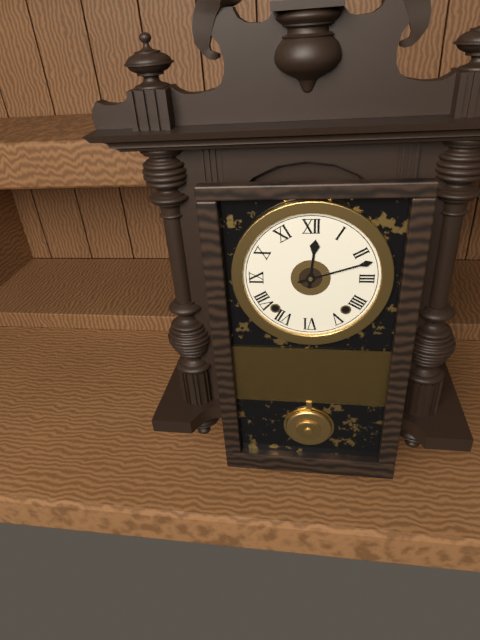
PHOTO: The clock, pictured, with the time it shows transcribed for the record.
12:12
